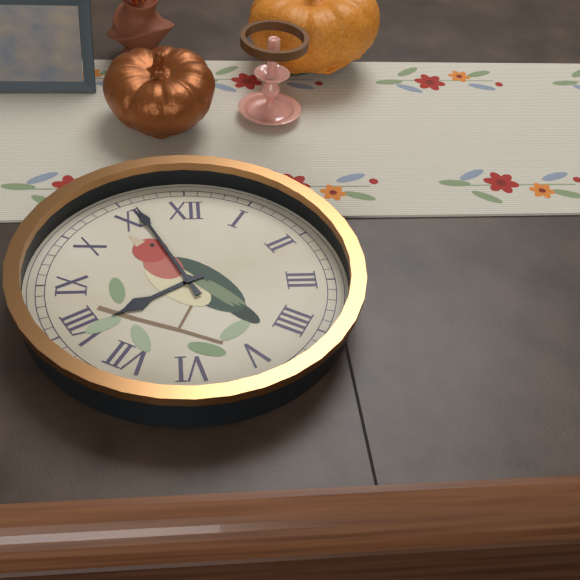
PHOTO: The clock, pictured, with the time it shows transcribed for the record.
7:56
